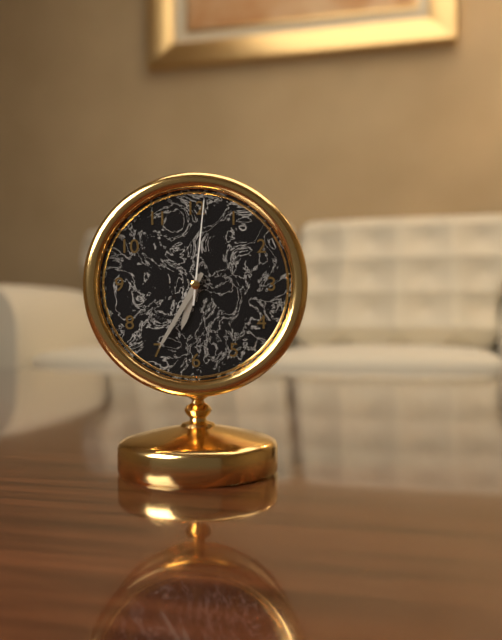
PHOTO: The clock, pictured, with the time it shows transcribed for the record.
6:35:01
